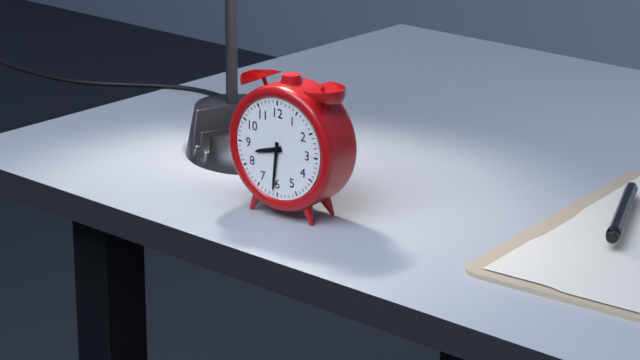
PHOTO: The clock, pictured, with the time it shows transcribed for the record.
8:31
